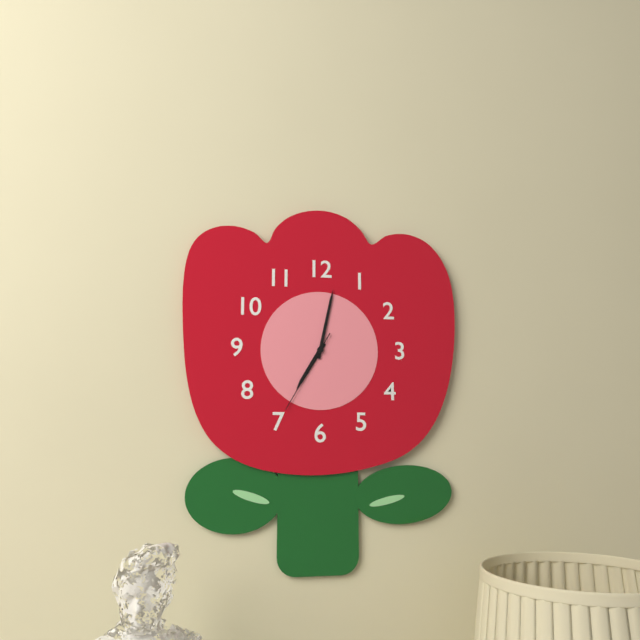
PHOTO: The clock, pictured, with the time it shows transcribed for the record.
7:02:35
